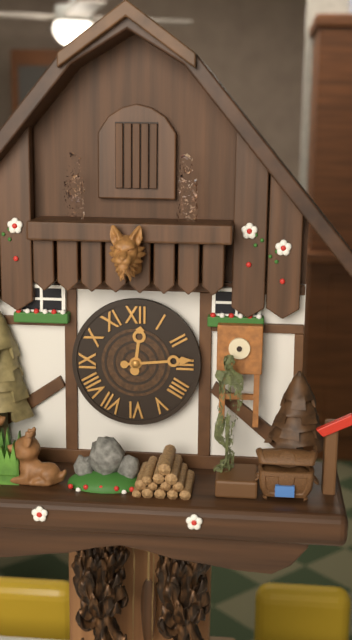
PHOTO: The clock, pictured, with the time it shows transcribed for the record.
12:14
